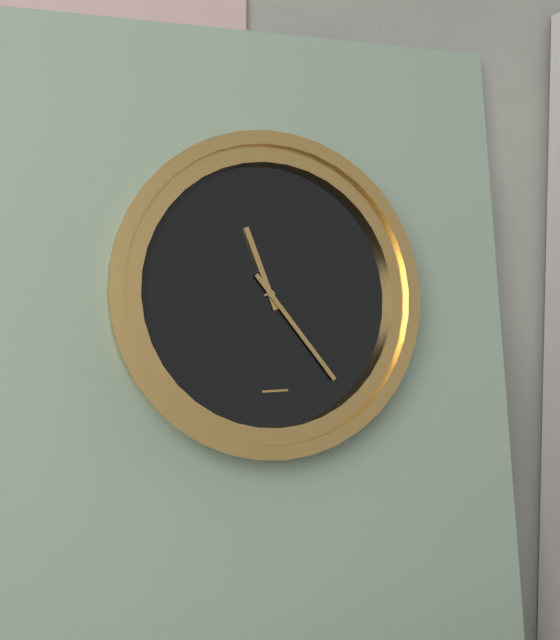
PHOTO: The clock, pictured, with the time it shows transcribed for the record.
11:24
